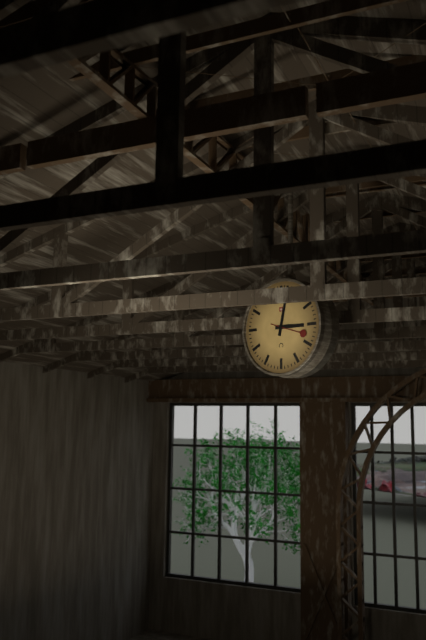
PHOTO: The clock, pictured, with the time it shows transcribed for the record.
3:02
